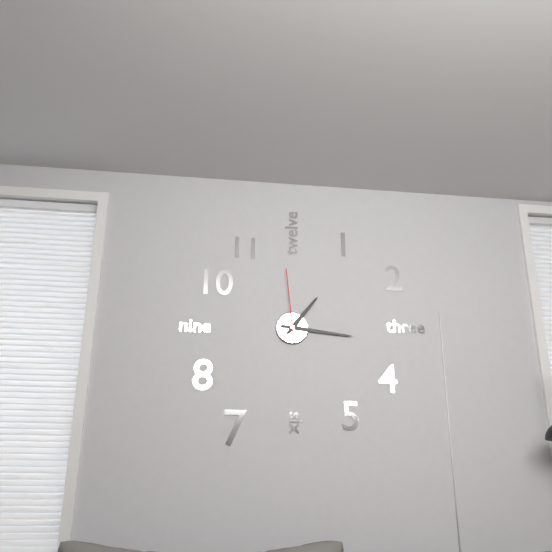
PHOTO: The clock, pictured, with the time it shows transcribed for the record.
1:16:59
